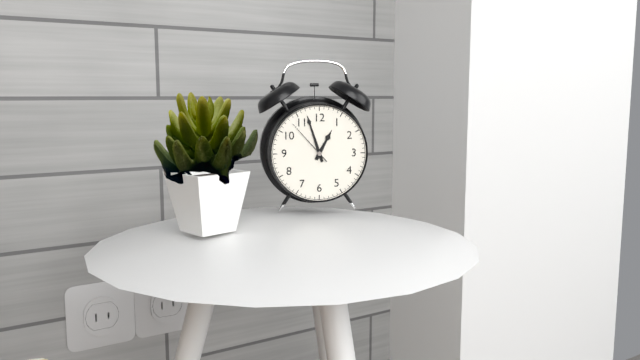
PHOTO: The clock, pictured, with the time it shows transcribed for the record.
12:57:53
